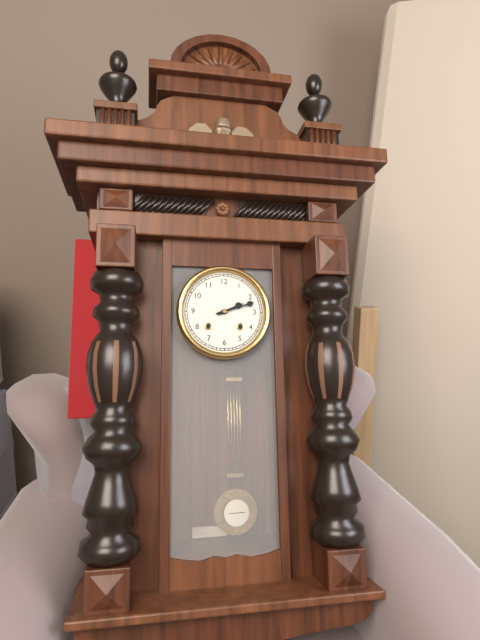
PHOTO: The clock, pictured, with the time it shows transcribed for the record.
2:12
